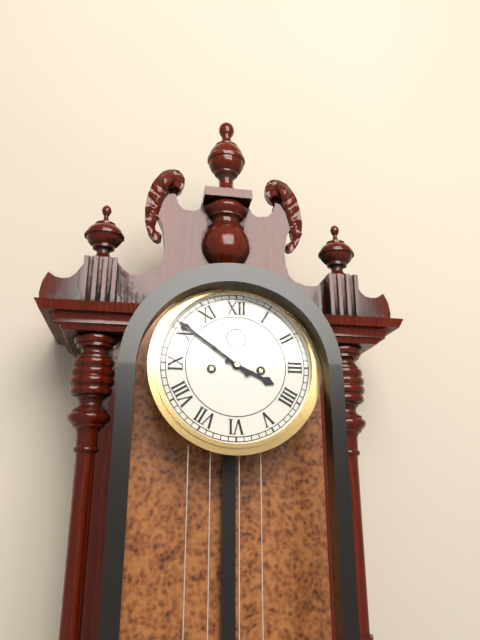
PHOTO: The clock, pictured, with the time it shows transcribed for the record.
3:51
